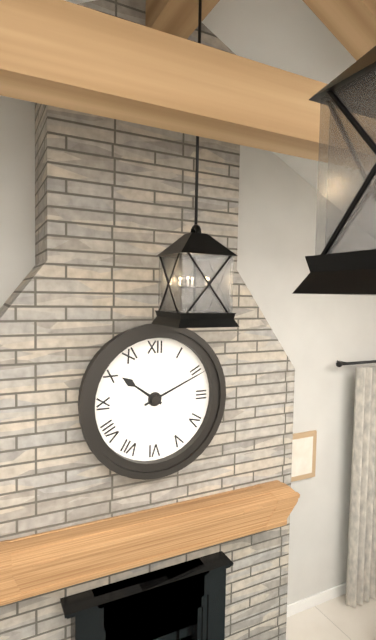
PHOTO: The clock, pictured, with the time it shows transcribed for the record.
10:11
